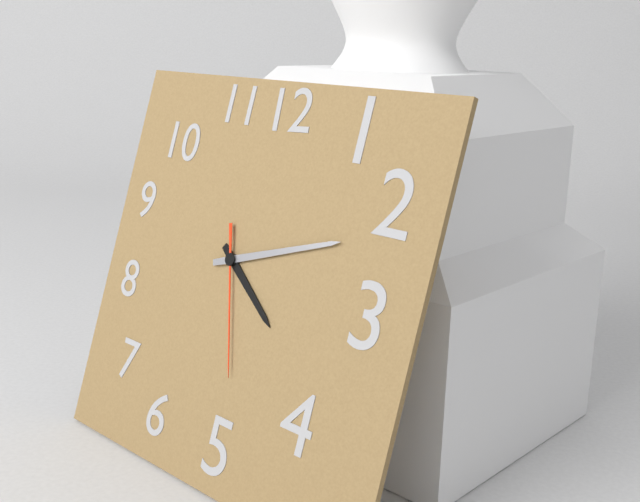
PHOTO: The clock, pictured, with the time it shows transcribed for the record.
4:12:27
